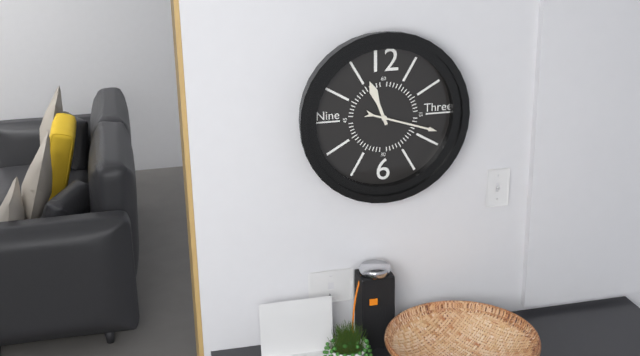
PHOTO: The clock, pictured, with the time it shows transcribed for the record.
11:18
